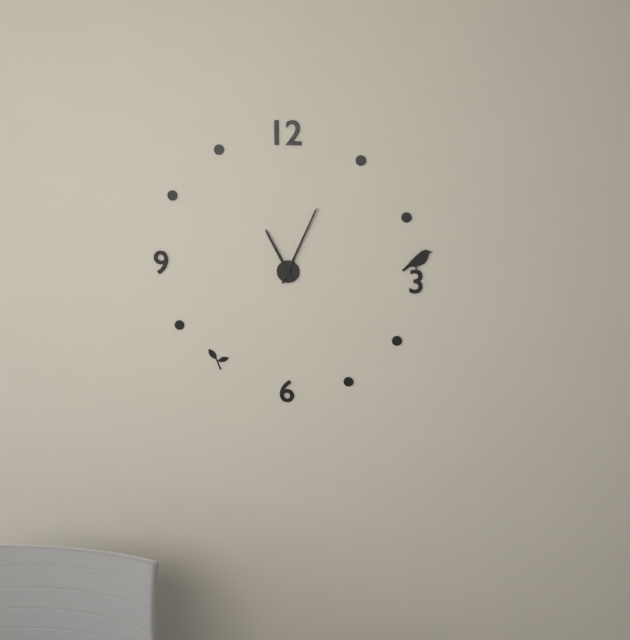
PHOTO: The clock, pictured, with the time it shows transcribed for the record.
11:04
